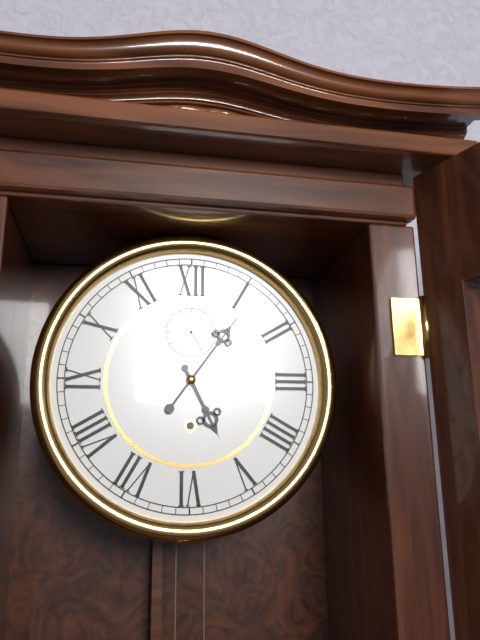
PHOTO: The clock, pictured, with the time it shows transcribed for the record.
5:06
